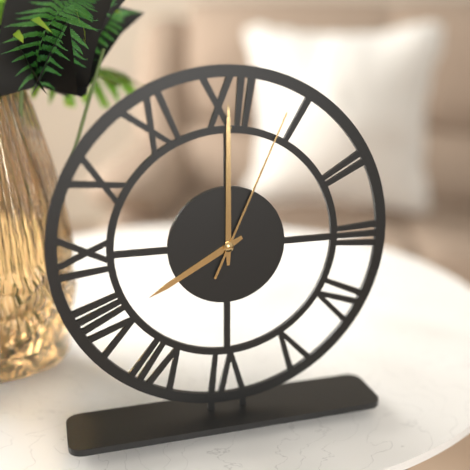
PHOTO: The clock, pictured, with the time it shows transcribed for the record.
8:00:04
